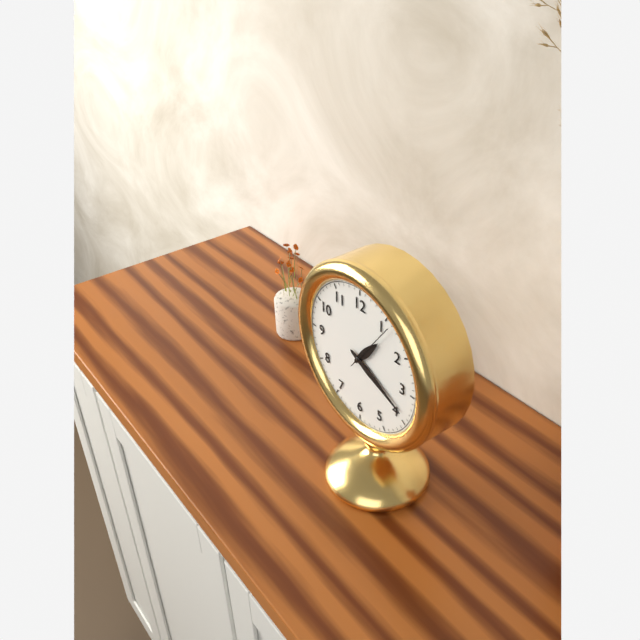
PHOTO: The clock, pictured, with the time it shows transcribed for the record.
1:19:06
